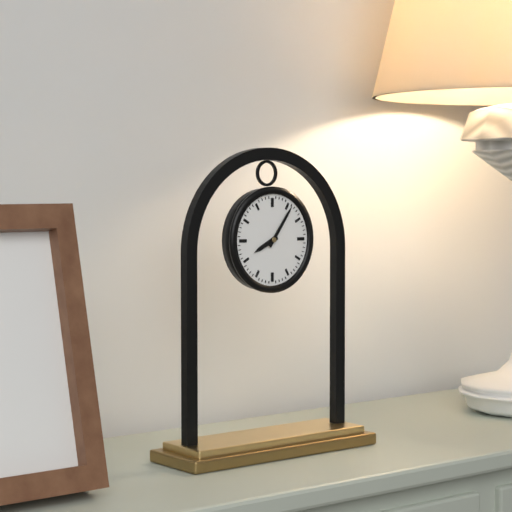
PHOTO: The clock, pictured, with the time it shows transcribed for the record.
8:06
